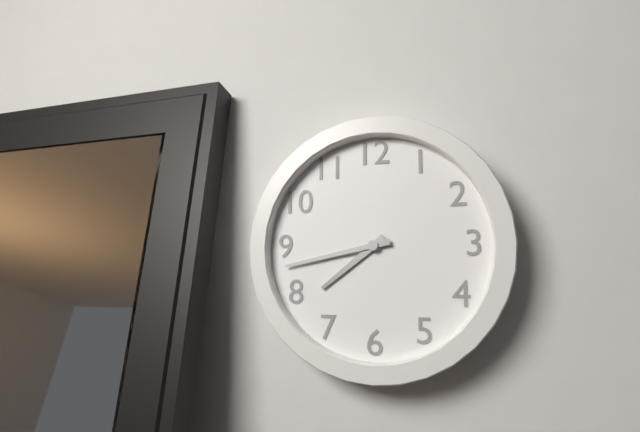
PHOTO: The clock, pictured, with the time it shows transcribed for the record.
7:43
